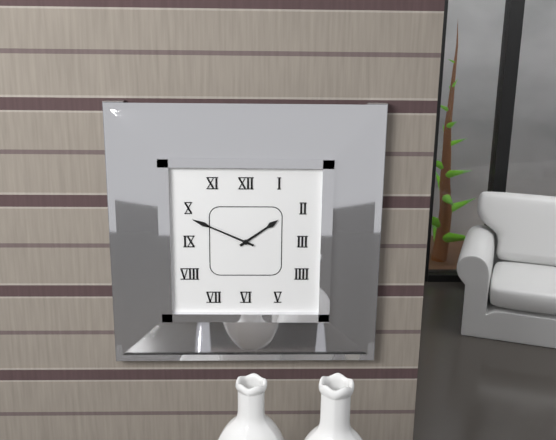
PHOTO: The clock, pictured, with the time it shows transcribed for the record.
1:49
